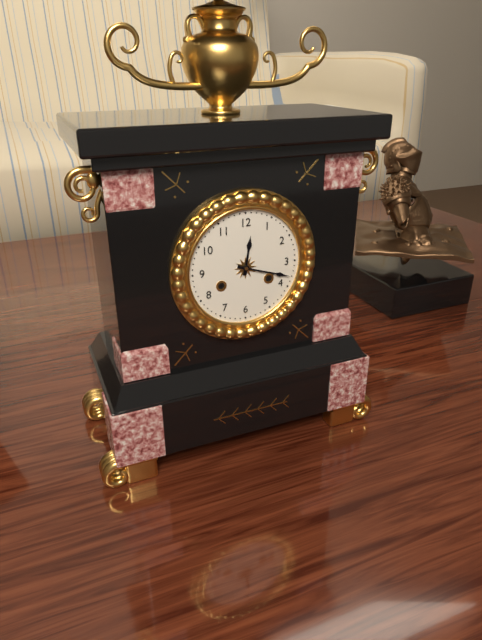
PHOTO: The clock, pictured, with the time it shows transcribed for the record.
12:18
